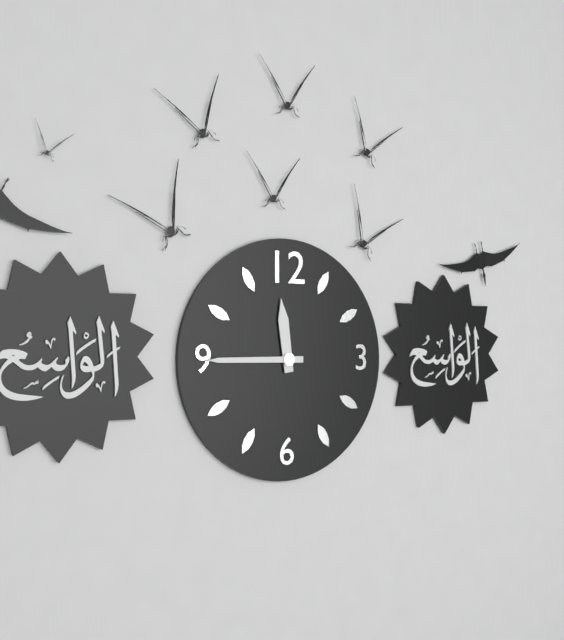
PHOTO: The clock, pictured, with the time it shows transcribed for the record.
11:45
